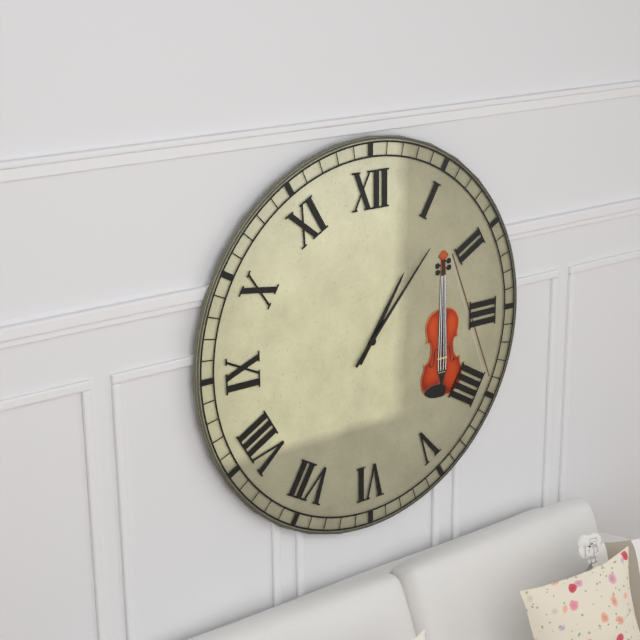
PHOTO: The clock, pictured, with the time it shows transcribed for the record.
1:07
